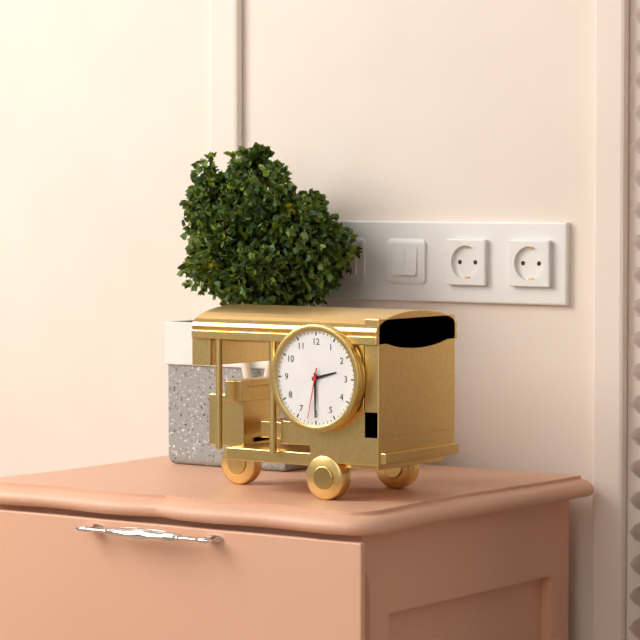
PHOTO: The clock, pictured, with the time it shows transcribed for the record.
2:30:32
